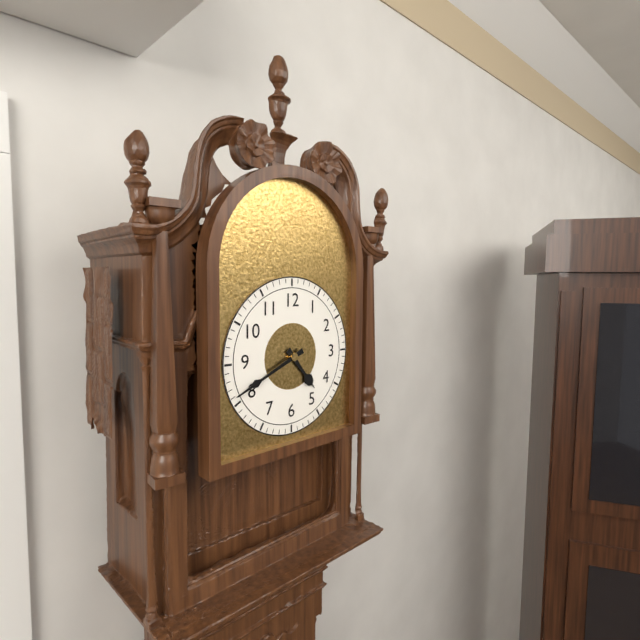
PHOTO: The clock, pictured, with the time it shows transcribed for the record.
4:41
